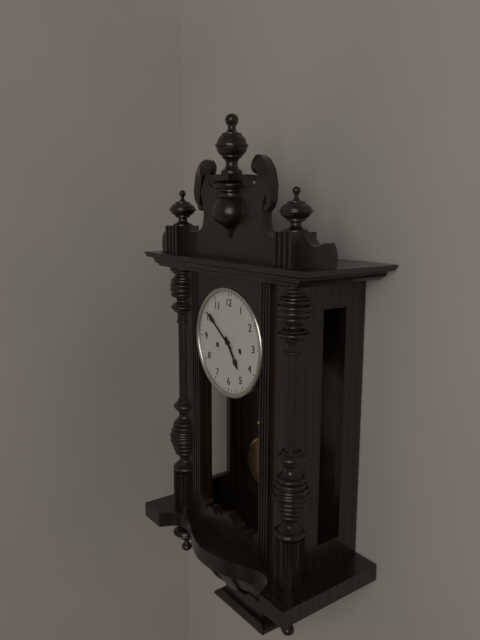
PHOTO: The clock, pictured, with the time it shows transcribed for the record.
4:51
